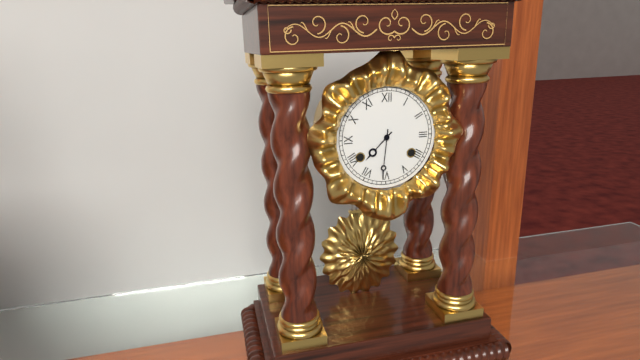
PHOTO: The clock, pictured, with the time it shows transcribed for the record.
7:31
